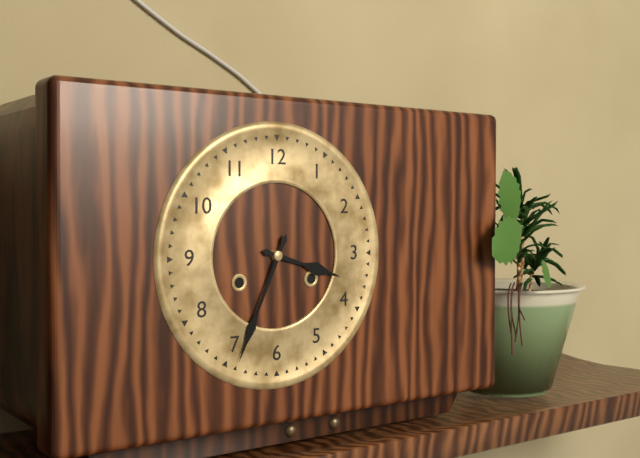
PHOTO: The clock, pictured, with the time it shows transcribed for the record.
3:34
